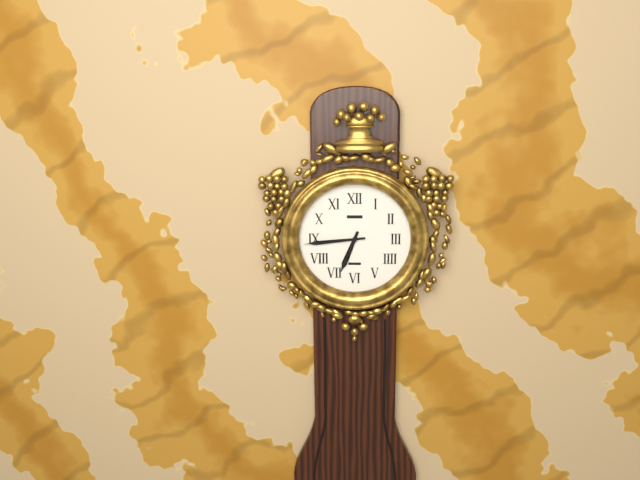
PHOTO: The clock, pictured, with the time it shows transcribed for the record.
6:44
